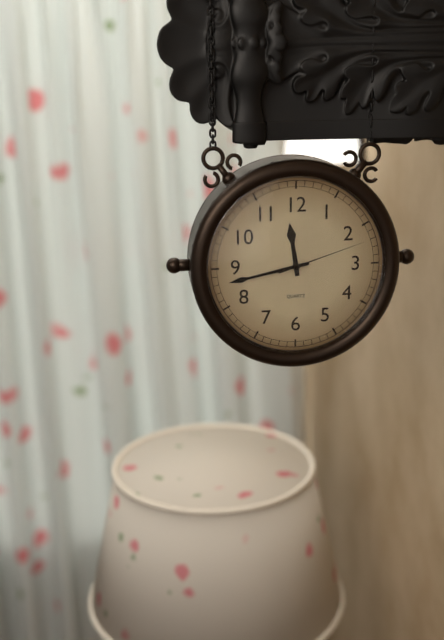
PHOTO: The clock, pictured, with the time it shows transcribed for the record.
11:43:12
